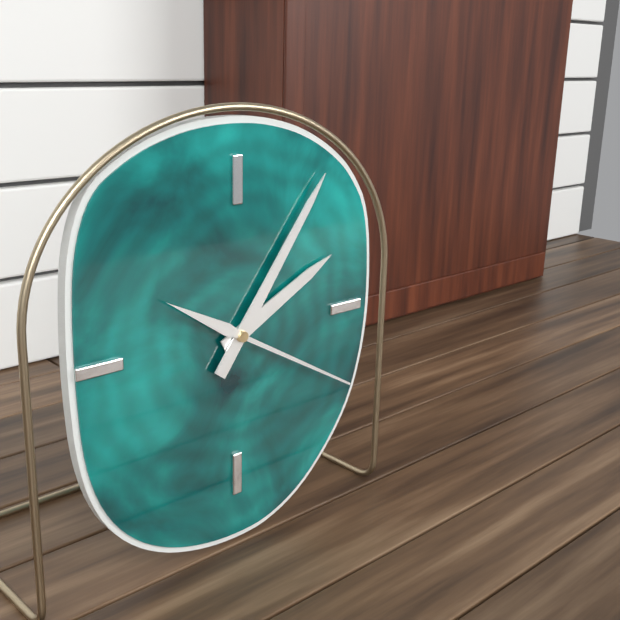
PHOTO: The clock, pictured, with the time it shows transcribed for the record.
2:06:20
